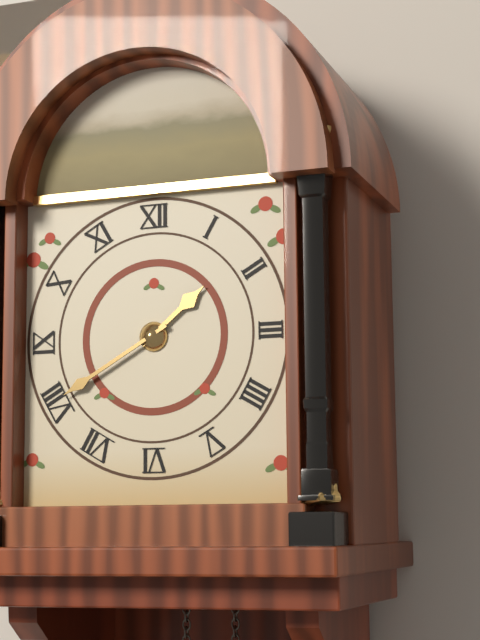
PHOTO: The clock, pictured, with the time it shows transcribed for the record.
1:40
